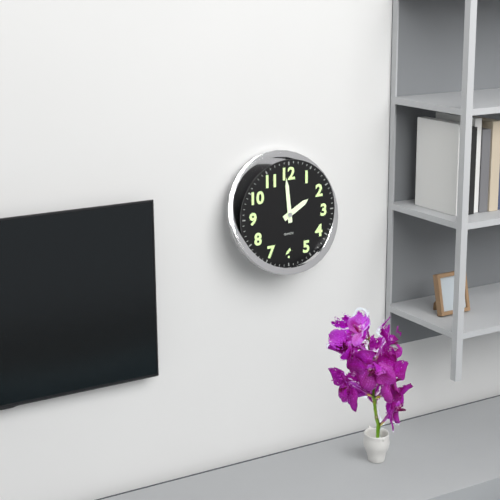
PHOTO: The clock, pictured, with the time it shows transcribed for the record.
1:59
